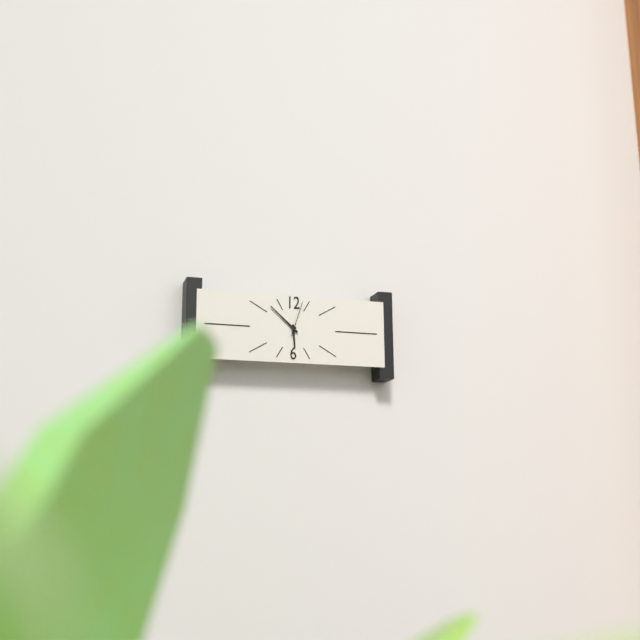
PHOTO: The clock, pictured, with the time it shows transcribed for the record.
5:52
